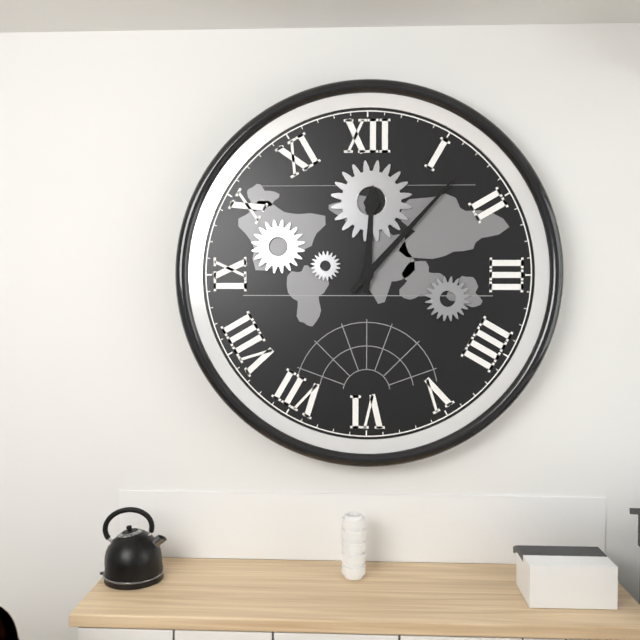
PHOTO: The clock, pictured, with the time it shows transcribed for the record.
12:07
